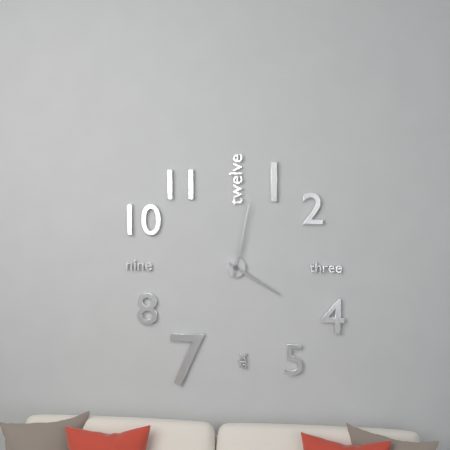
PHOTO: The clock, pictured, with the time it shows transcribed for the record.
4:02
